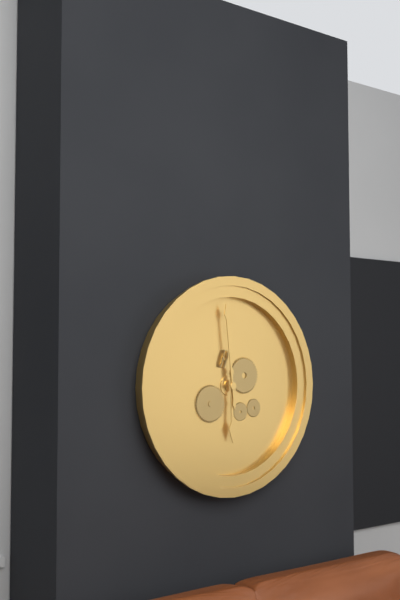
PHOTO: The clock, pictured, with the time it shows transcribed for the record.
5:59
